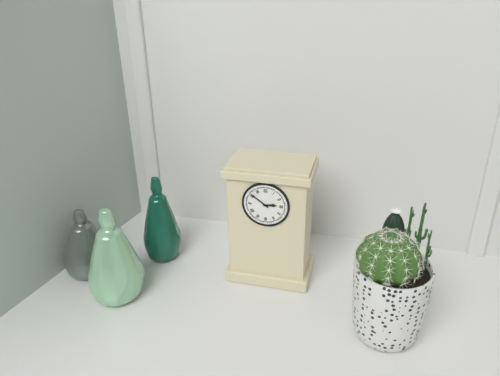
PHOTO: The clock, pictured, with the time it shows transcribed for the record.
2:51
